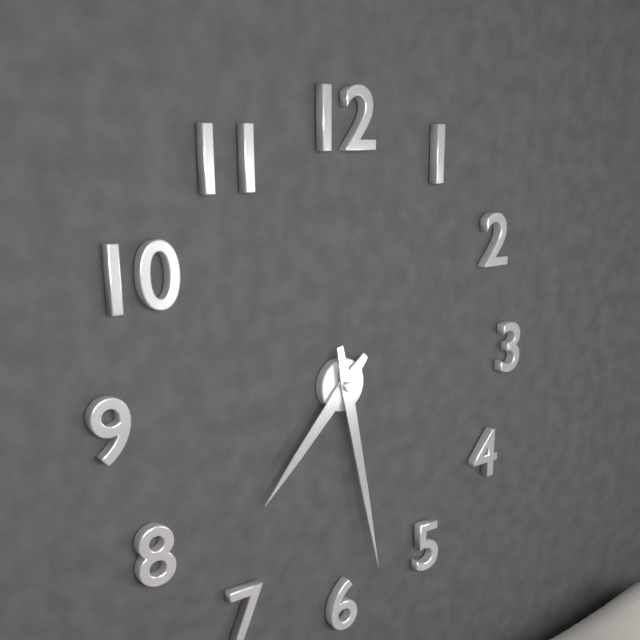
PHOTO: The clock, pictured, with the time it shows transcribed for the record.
7:28
